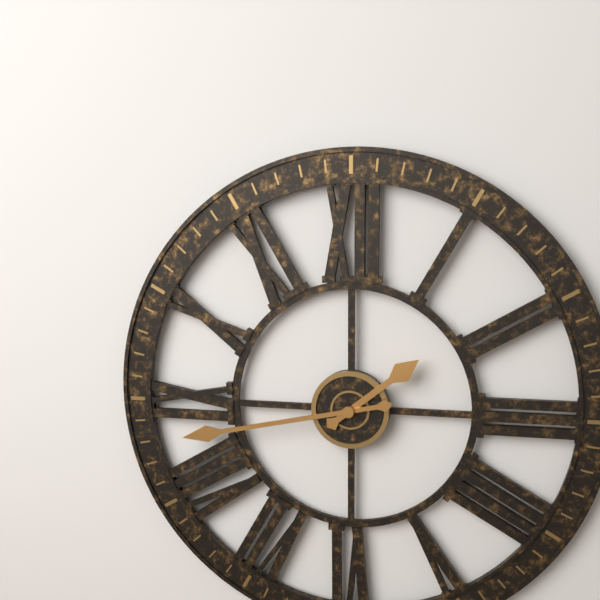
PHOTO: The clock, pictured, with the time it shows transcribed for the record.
1:43
